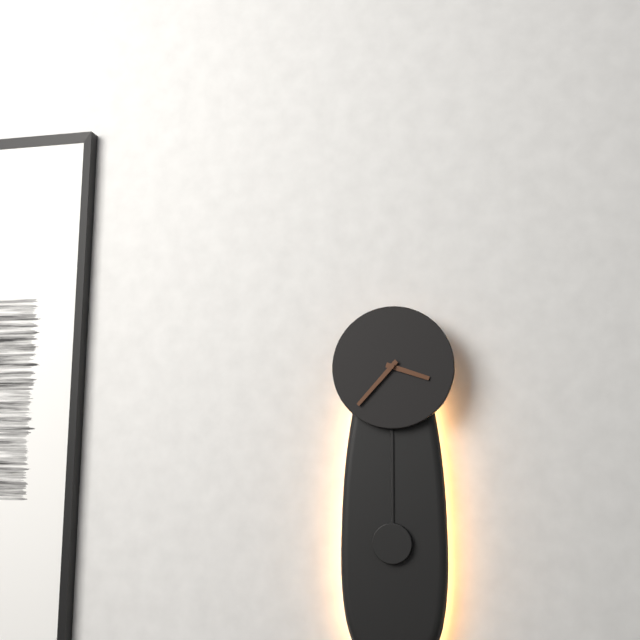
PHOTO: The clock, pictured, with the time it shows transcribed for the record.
3:37
